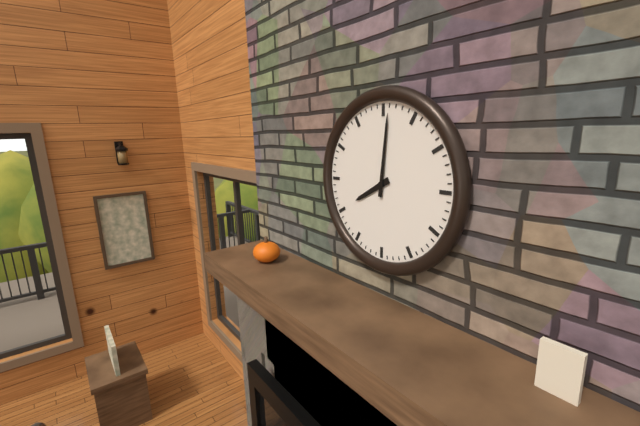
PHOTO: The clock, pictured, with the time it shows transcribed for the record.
8:01
